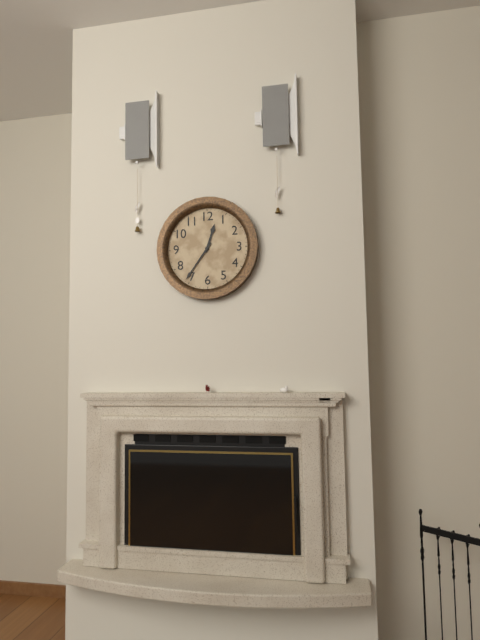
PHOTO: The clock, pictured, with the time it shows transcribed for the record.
12:36
